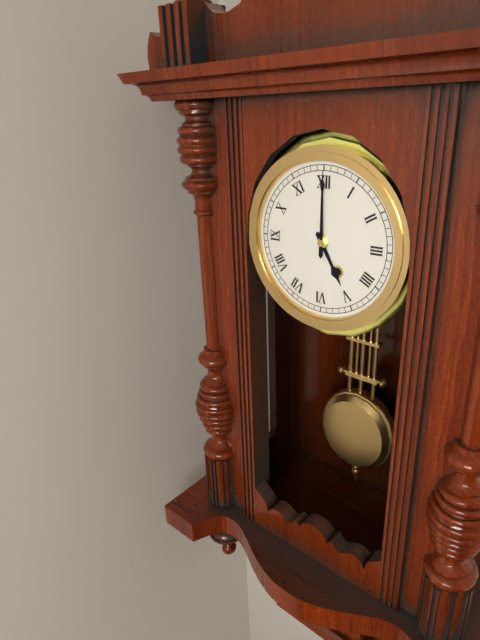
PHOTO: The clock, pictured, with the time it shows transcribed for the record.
5:00
